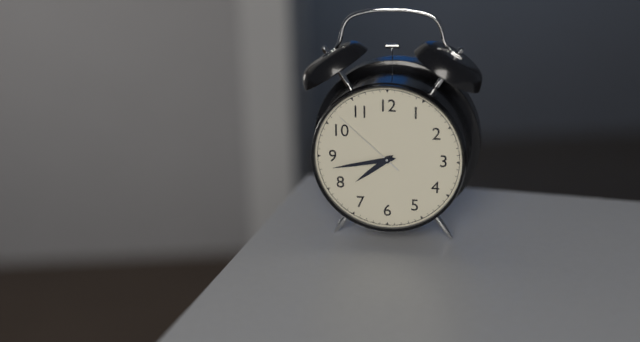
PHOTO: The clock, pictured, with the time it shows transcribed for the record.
7:43:52
